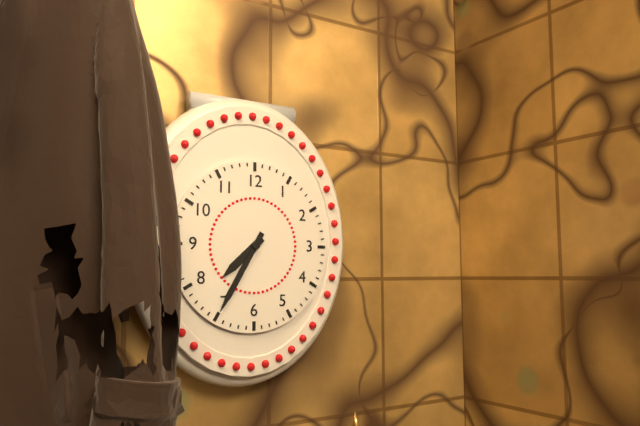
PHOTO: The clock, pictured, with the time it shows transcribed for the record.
7:35
